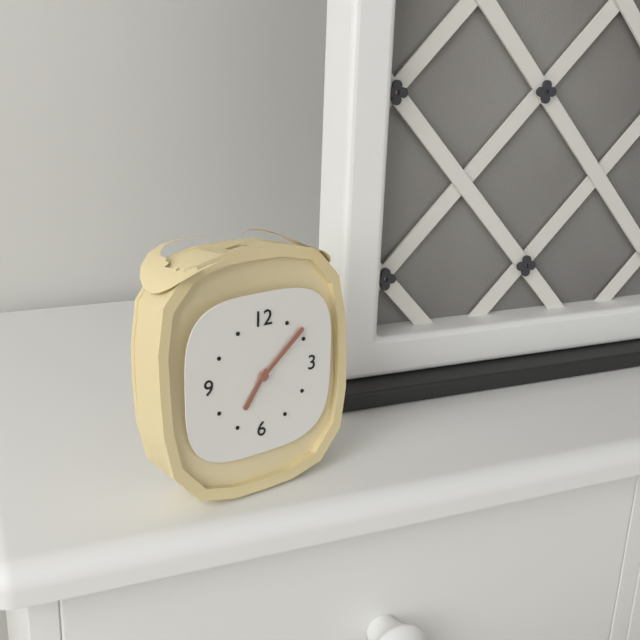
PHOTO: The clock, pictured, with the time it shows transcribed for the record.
7:08
